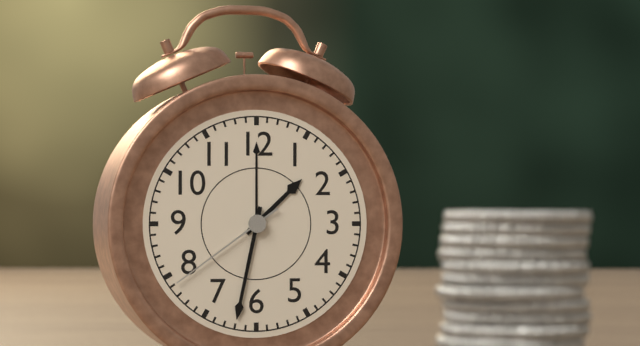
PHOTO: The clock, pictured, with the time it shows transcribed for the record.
1:32:39
